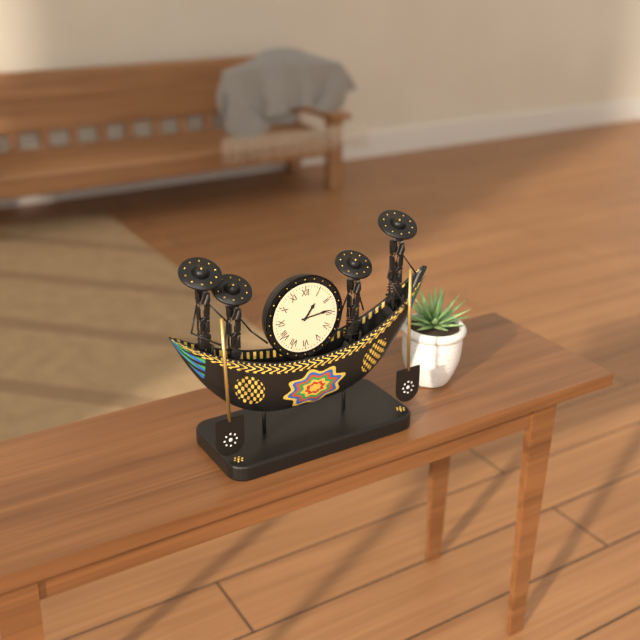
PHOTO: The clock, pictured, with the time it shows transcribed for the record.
1:14
